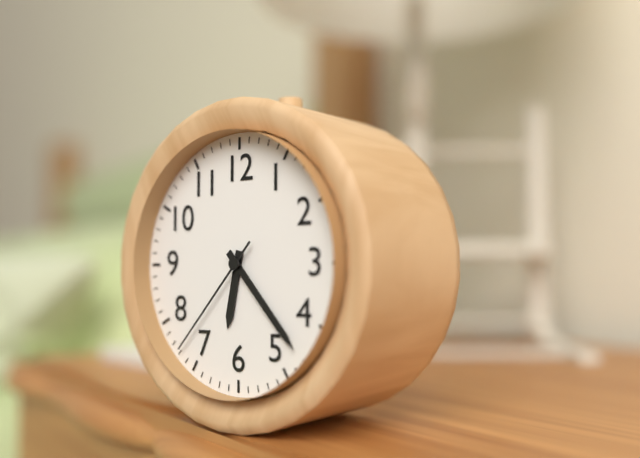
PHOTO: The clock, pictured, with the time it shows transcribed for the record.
6:23:37
